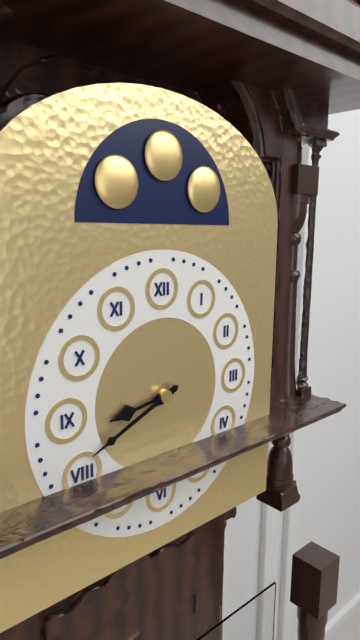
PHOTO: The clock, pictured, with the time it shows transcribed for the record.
8:41
